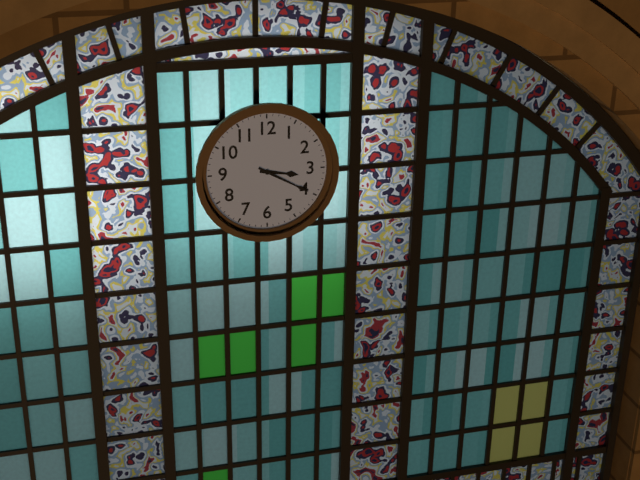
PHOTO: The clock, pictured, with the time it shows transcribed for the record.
3:20
